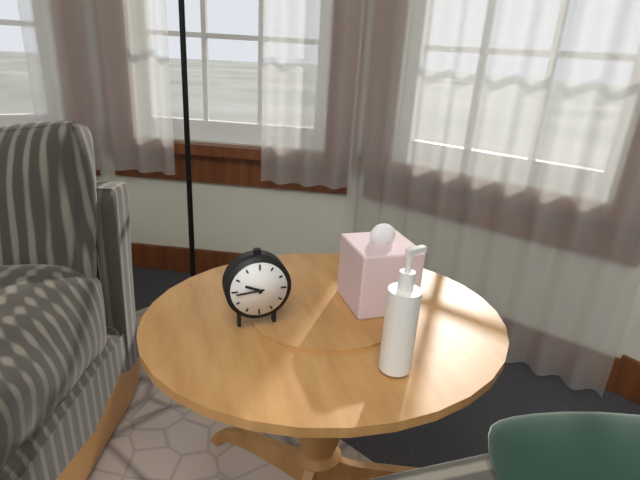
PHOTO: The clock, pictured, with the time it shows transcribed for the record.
9:44
